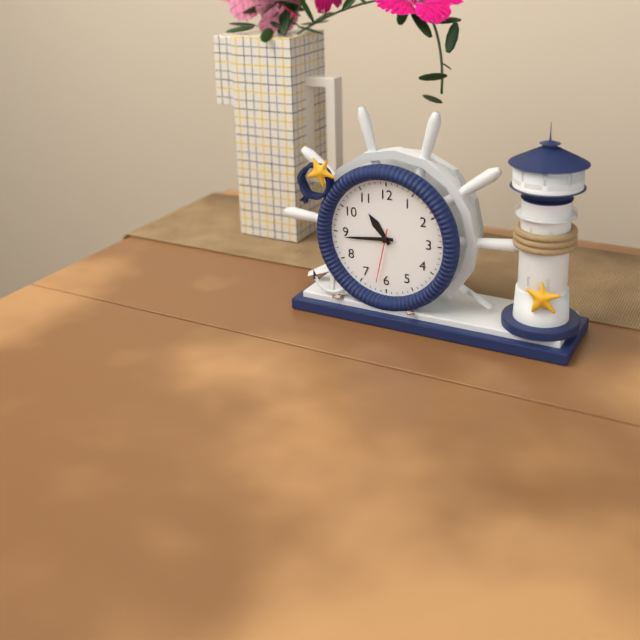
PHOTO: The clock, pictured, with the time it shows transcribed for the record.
10:44:32
